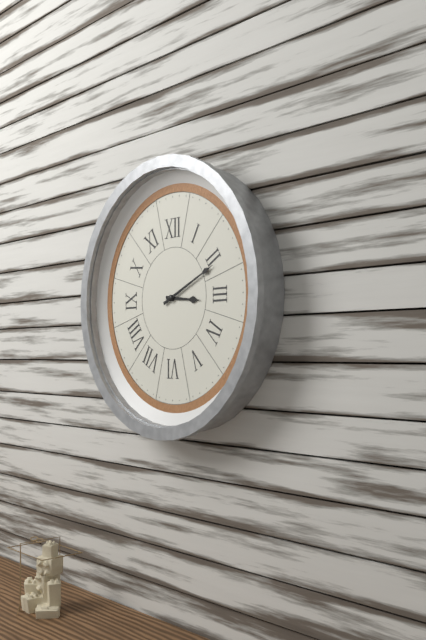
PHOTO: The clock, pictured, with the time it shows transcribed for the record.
3:11
